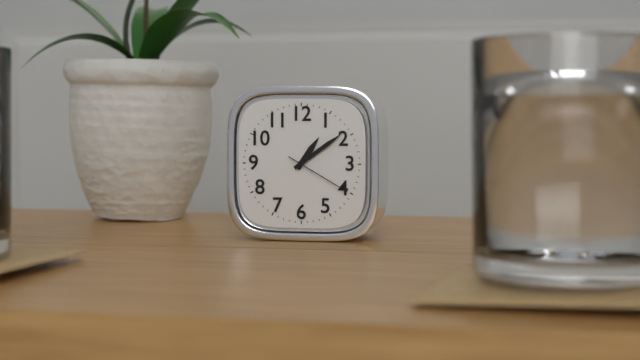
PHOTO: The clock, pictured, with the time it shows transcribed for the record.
1:09:20
